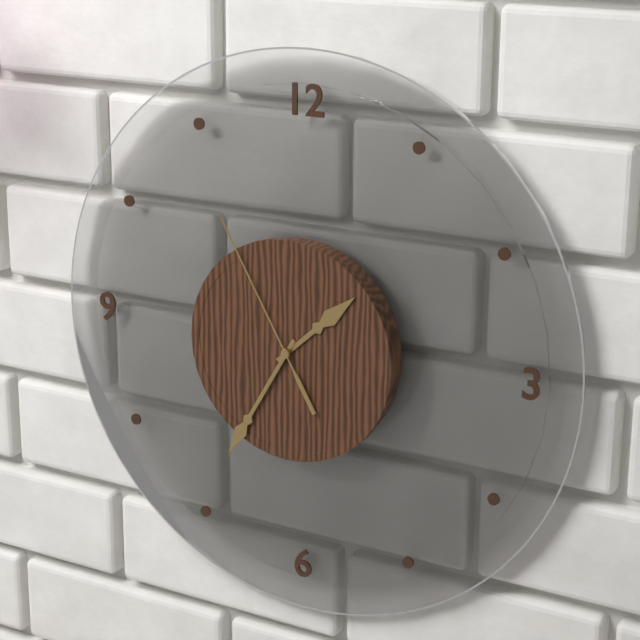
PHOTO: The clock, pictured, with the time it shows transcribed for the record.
1:35:55
